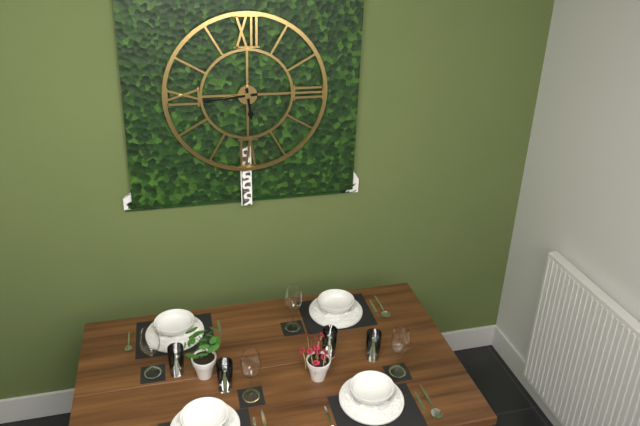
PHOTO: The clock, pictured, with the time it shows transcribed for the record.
5:44
